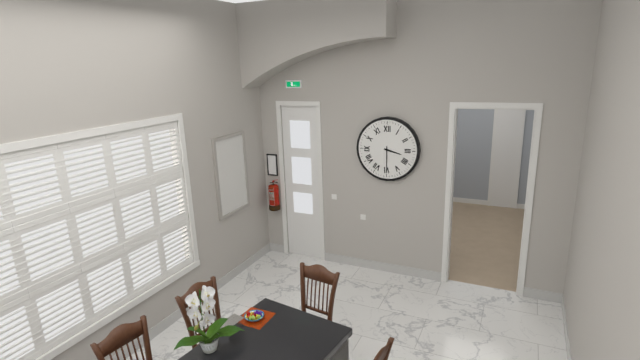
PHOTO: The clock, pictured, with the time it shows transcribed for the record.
3:30
